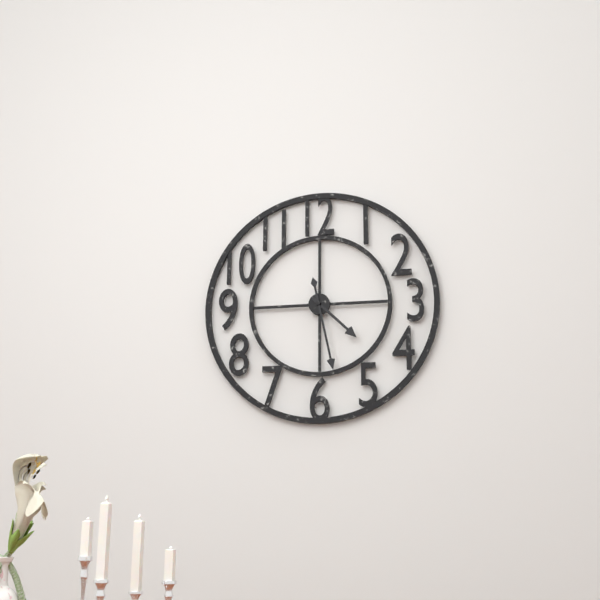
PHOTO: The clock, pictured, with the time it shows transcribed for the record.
4:28
